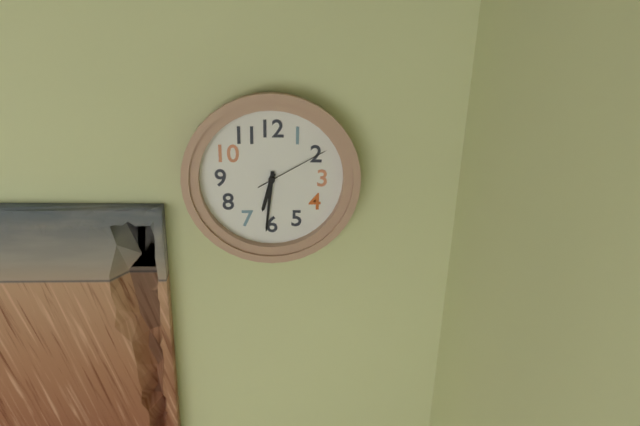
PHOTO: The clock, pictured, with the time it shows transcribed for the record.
6:31:10
